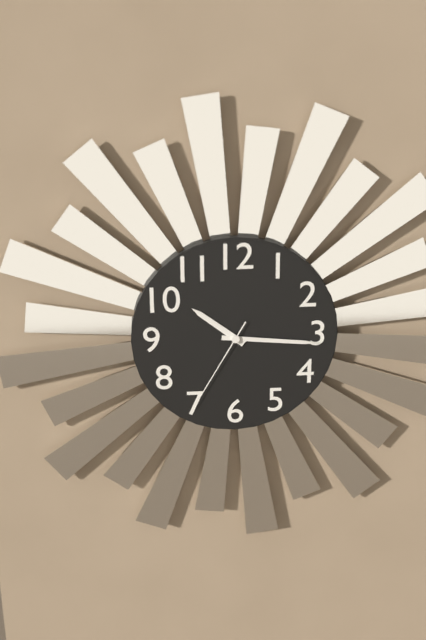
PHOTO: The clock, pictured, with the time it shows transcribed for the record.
10:16:35
